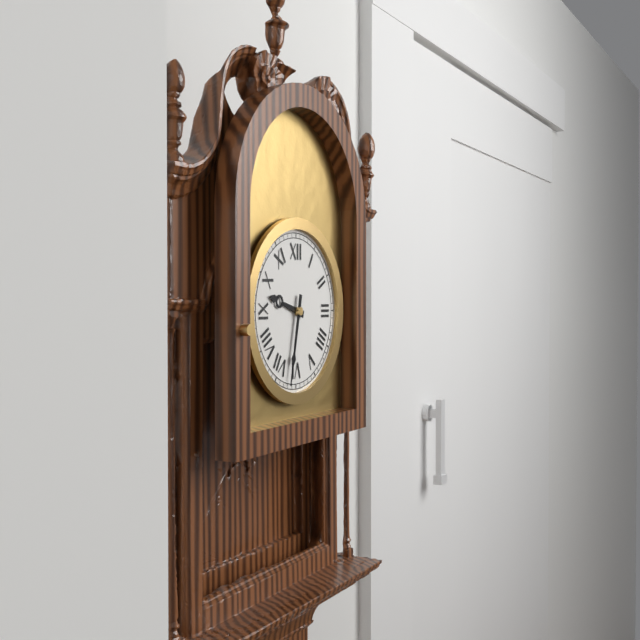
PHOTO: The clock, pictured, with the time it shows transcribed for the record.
9:32
